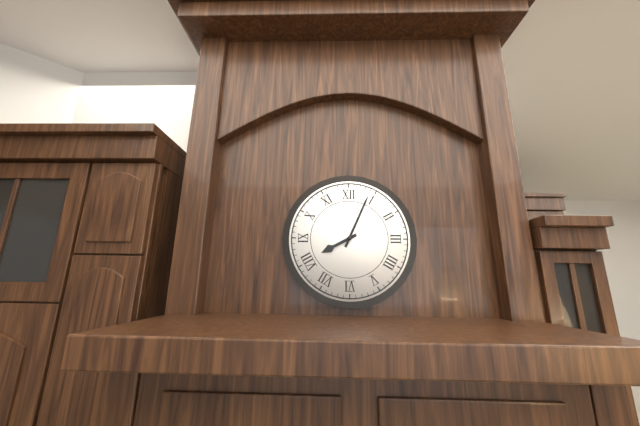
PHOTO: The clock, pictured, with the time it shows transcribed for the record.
8:04
